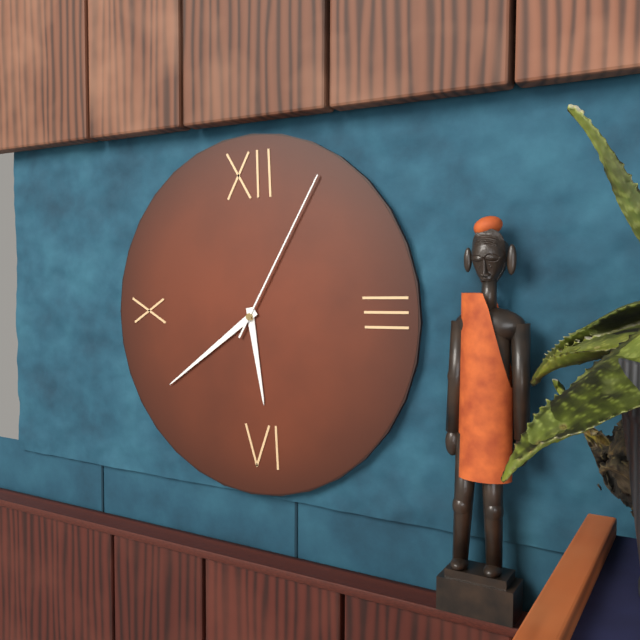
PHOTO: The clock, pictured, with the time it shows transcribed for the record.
5:39:05
